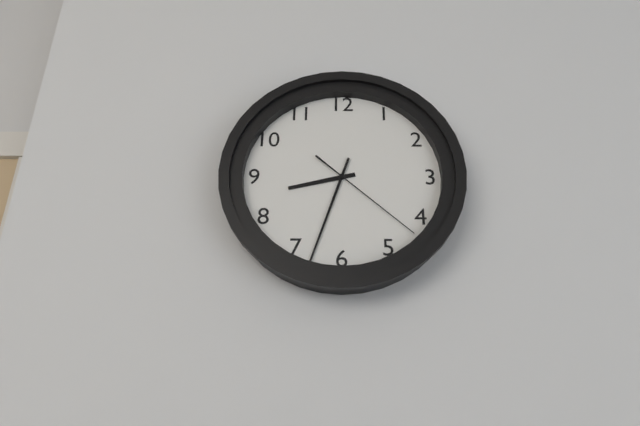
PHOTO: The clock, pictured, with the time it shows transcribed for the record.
8:33:22
